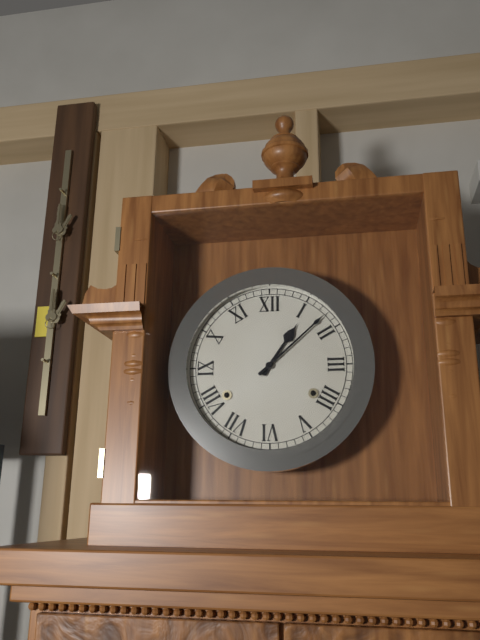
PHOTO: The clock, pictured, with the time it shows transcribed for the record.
1:08
